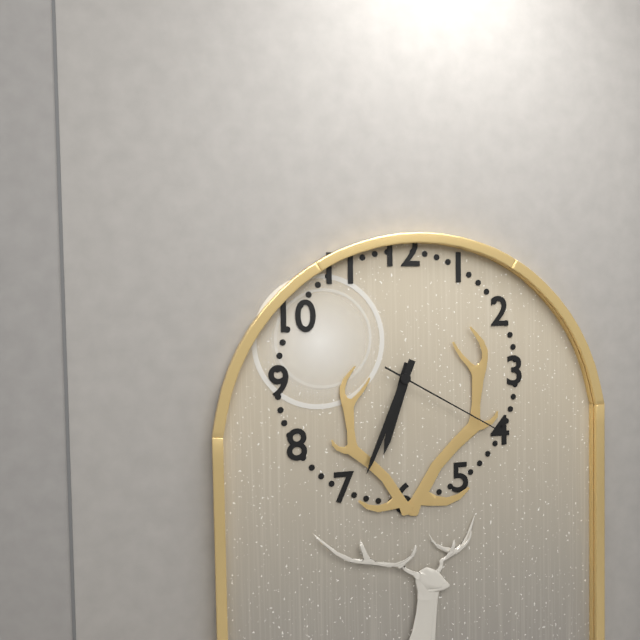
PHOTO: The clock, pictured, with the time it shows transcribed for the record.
6:34:20
